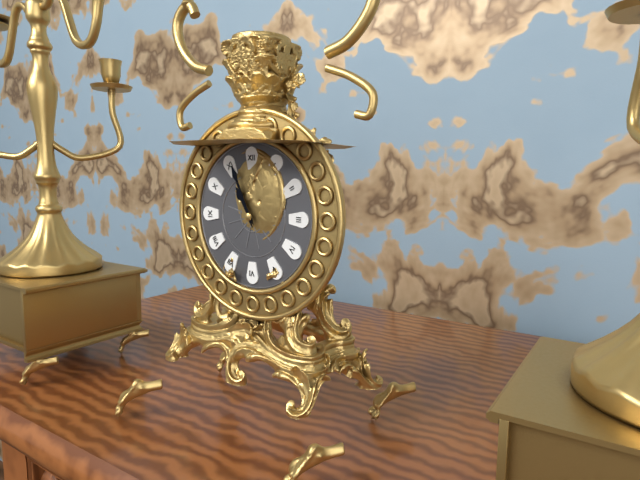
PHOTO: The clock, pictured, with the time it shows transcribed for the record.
10:56
